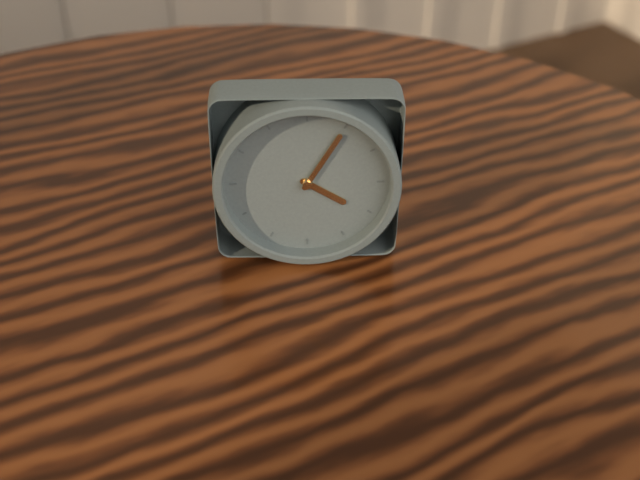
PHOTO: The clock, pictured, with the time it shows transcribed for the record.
4:05
